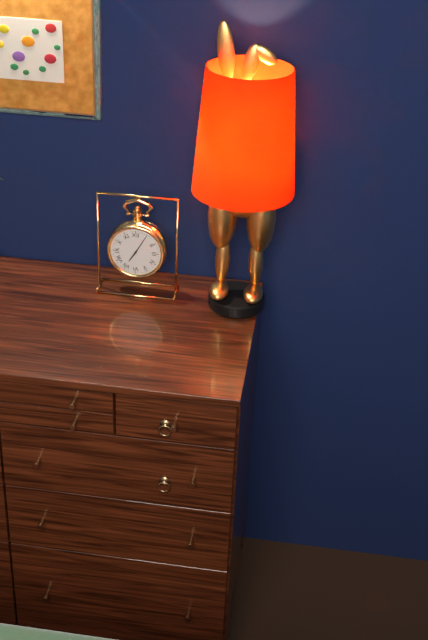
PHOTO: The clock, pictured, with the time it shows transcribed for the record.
7:05
